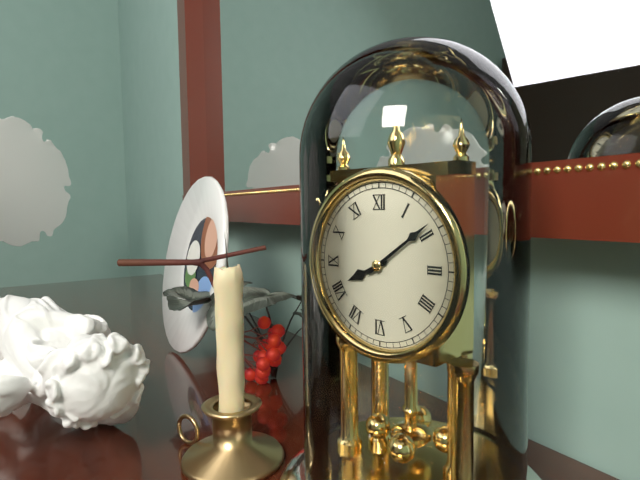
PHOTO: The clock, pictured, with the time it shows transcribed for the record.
8:09
